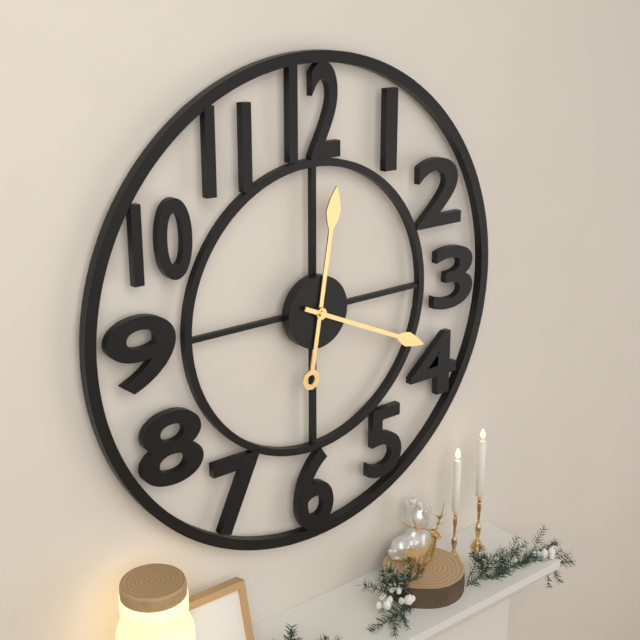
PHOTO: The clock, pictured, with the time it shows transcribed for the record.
12:19
